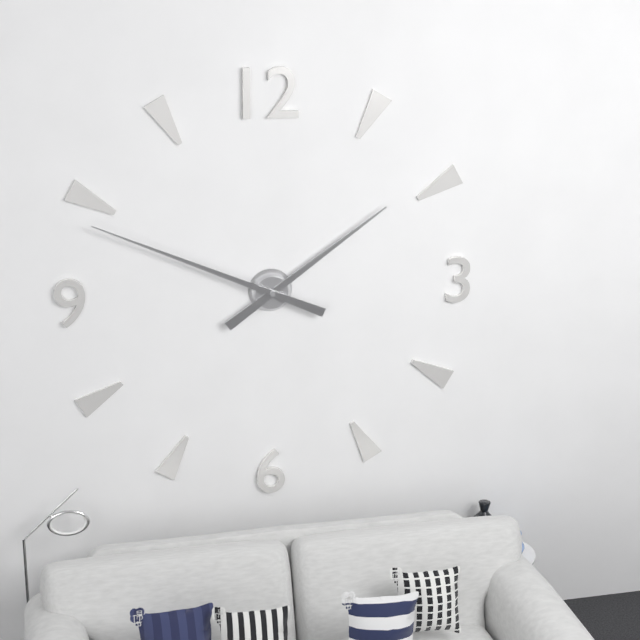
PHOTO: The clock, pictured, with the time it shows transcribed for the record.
1:49
